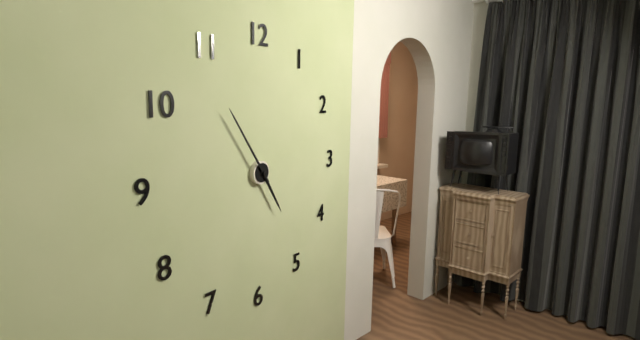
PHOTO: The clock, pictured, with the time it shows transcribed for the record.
4:54
